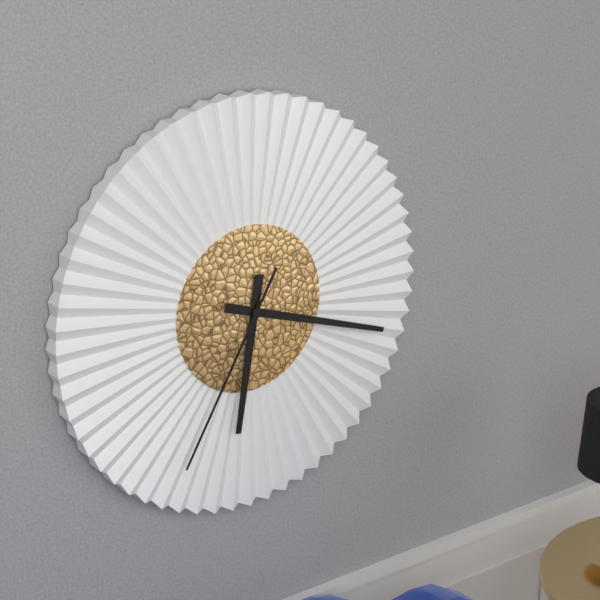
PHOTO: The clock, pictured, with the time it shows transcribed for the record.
6:18:35
